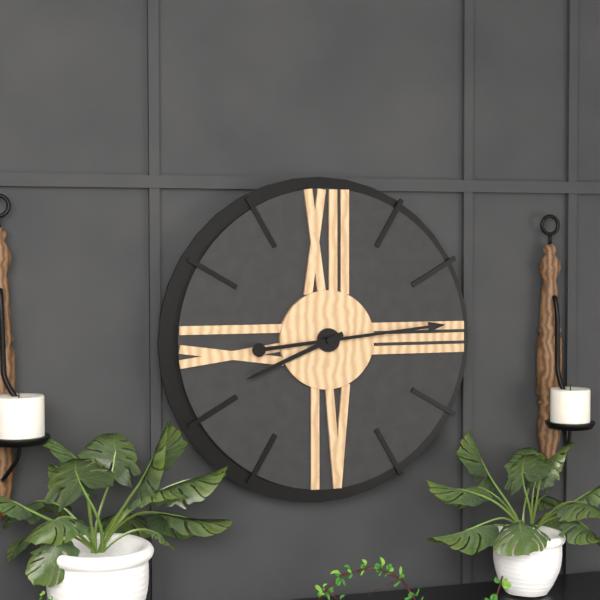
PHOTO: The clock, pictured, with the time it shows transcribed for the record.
8:14
